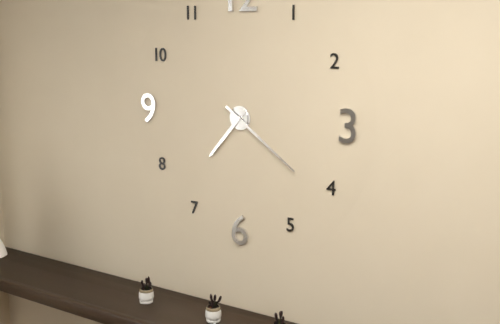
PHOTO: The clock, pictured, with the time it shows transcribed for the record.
7:21
